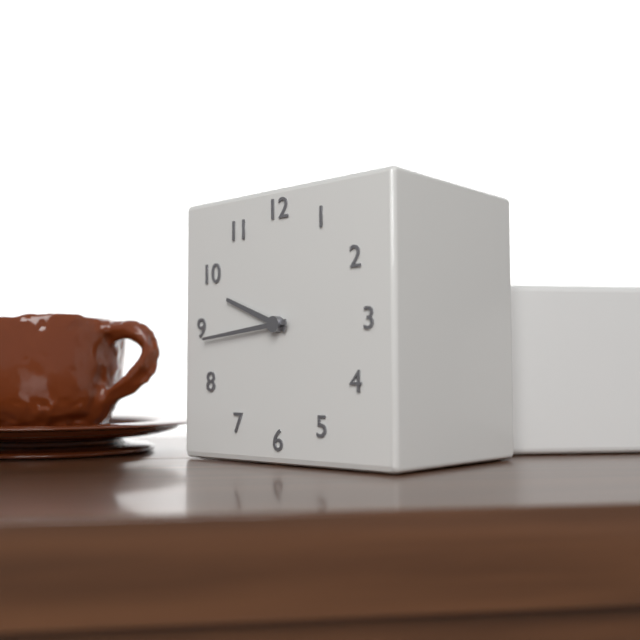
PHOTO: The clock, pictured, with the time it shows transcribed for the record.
9:44
